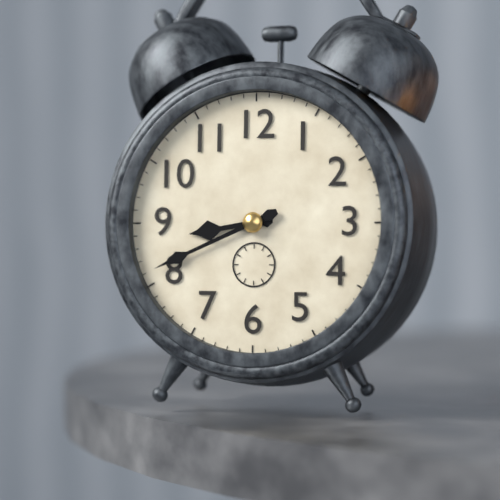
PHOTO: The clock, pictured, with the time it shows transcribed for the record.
8:41
